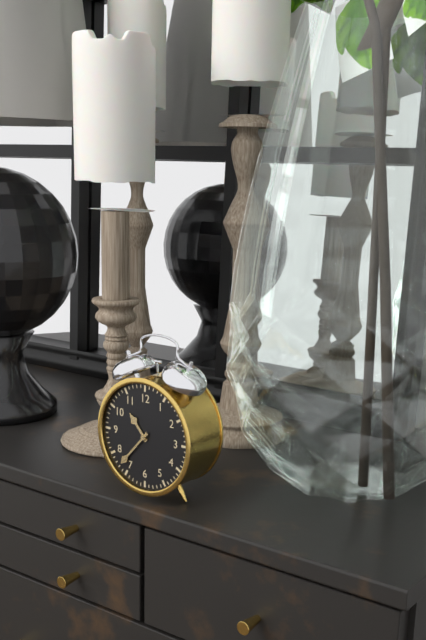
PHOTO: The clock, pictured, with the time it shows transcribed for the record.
10:37
